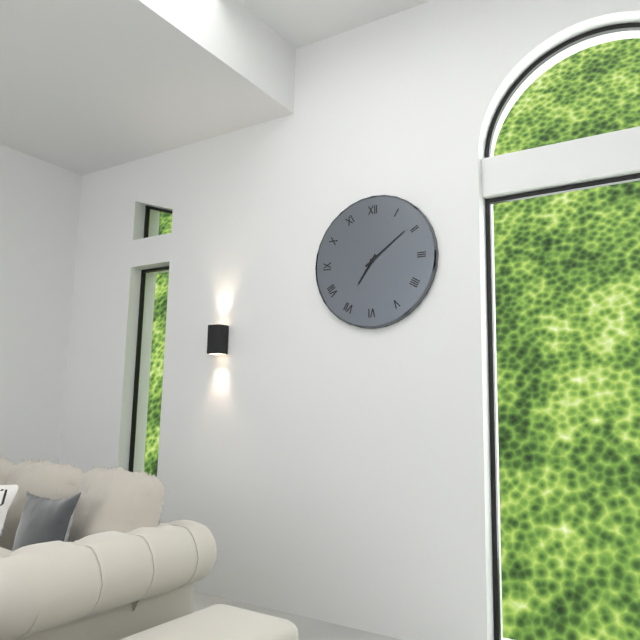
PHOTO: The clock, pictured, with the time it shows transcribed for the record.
7:09
